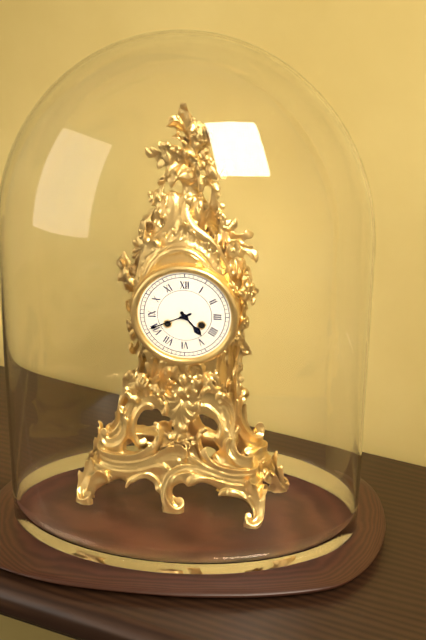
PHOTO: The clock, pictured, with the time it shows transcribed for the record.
4:41
